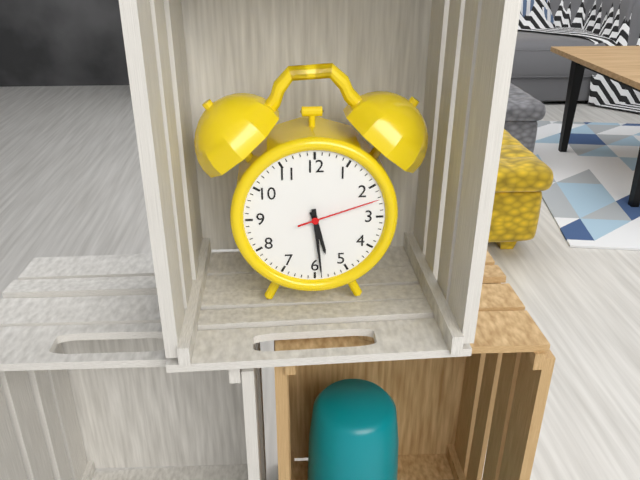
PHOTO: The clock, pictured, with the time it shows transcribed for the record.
5:29:12
